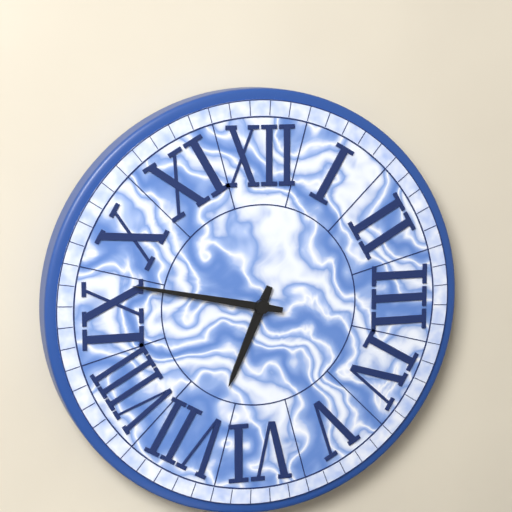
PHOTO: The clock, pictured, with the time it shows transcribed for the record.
6:47
